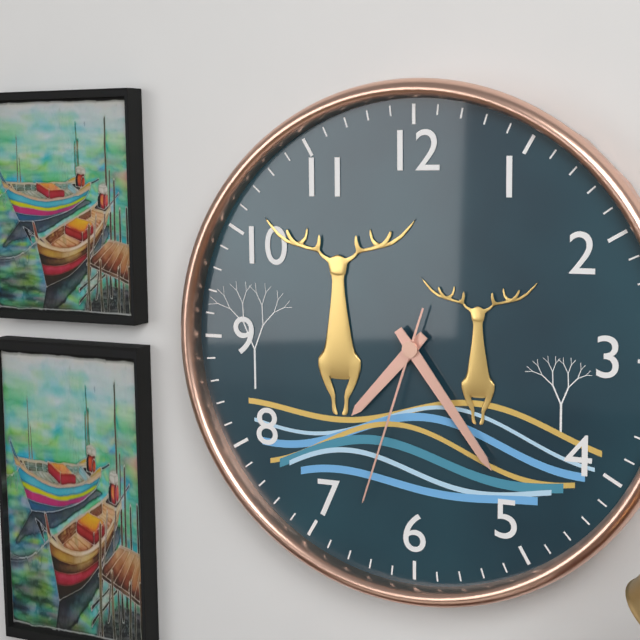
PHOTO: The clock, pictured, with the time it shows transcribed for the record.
7:24:33
